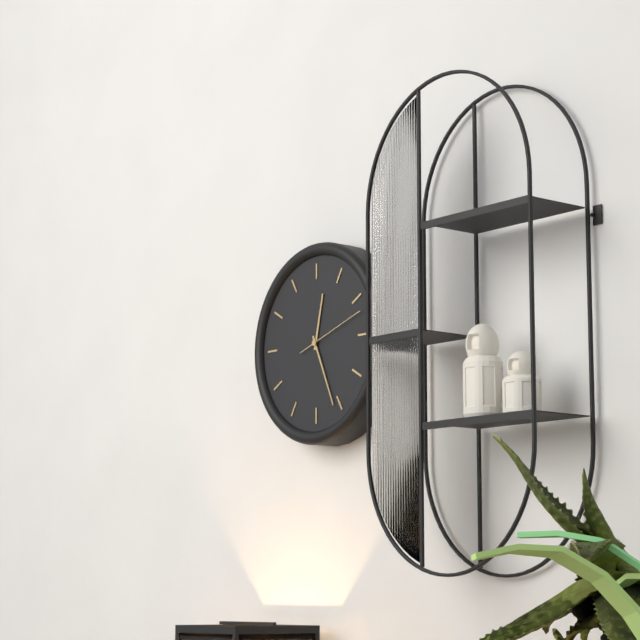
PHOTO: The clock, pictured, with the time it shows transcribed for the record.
12:26:12
